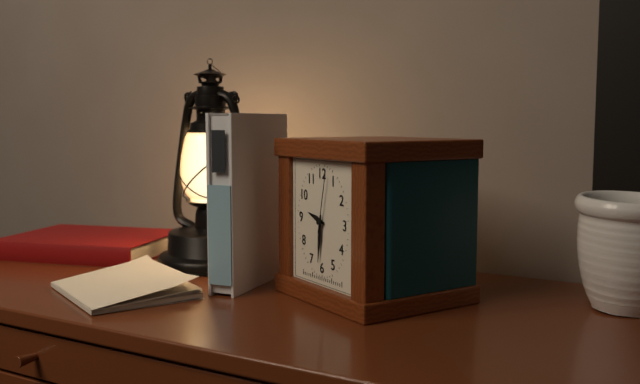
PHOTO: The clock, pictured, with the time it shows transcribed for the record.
9:31:02
